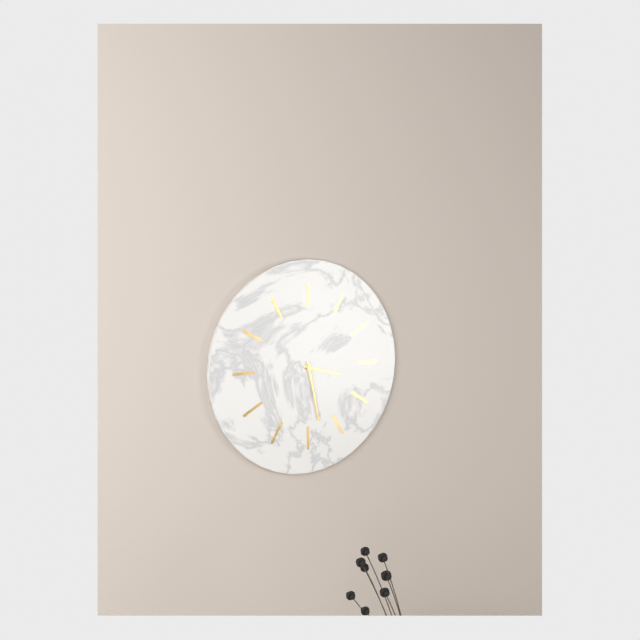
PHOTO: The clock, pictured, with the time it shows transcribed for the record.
3:28
